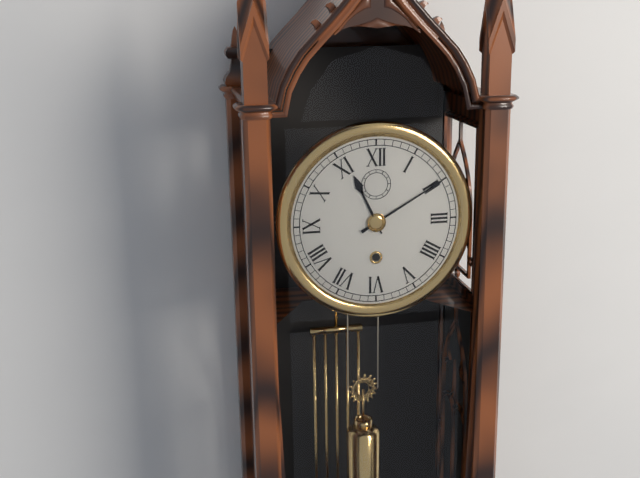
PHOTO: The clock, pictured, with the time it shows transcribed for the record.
11:10
